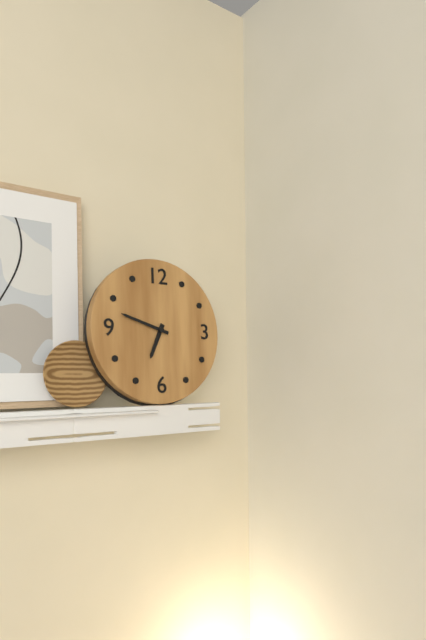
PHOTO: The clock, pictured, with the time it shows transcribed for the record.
6:48
